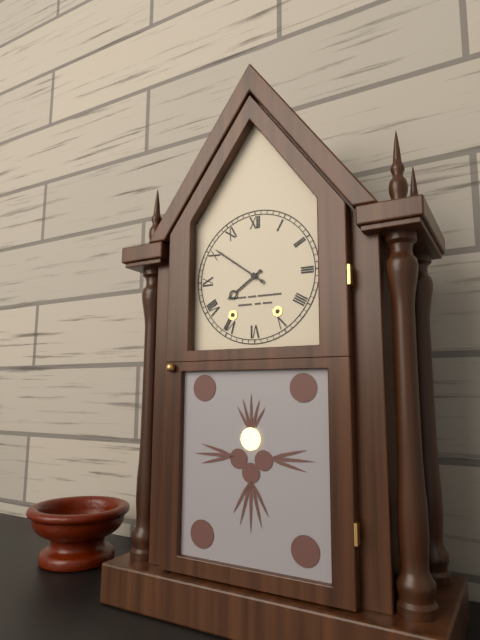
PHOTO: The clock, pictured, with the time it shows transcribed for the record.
7:51
